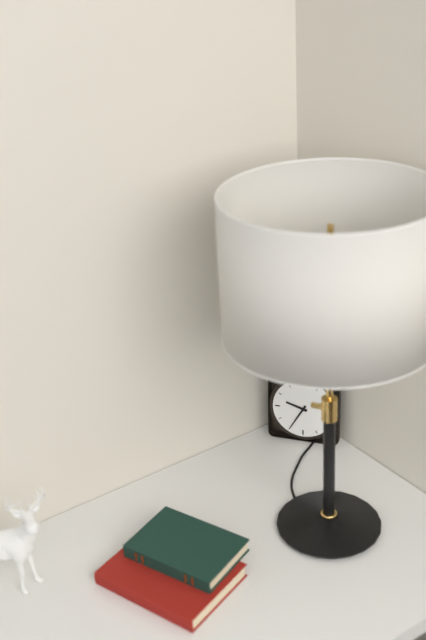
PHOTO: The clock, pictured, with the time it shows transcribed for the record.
9:35
